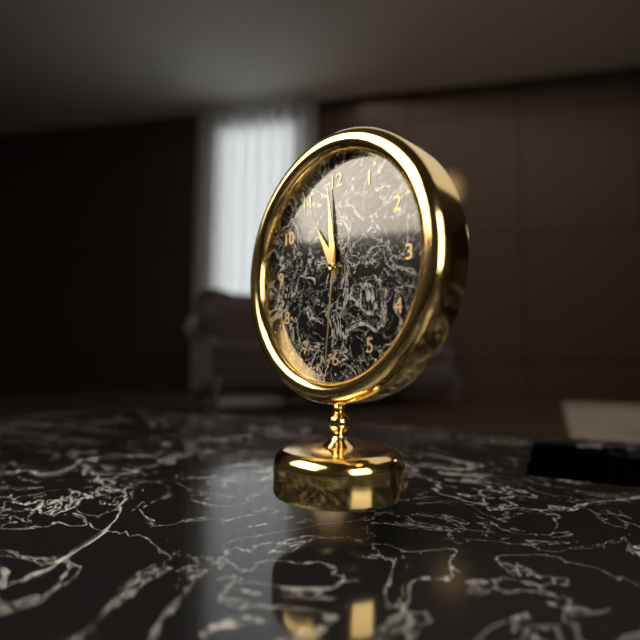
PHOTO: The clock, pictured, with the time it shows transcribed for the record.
10:59:31
